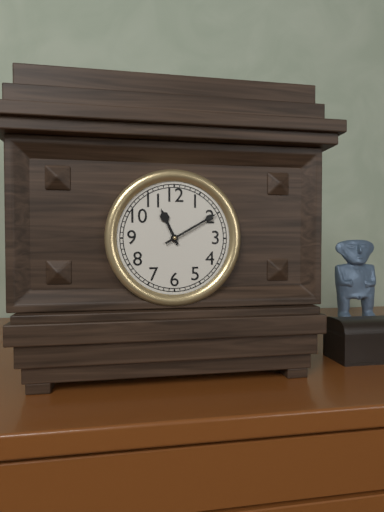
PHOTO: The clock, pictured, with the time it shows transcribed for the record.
11:10
